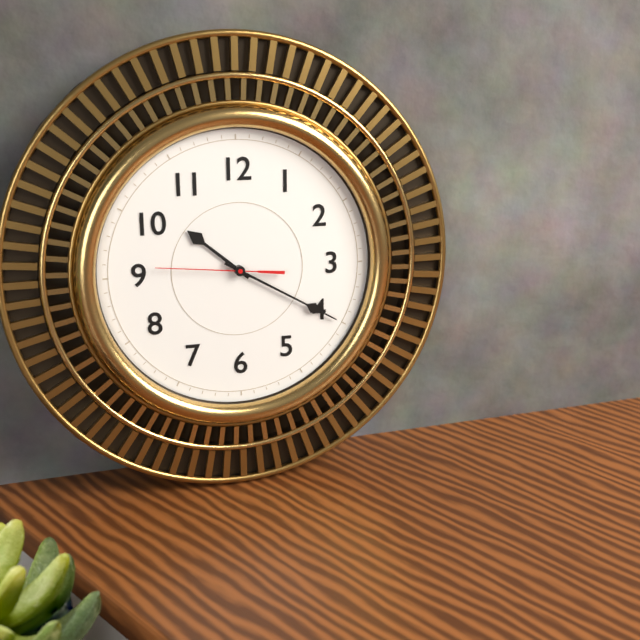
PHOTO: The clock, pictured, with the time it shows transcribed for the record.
10:20:46
